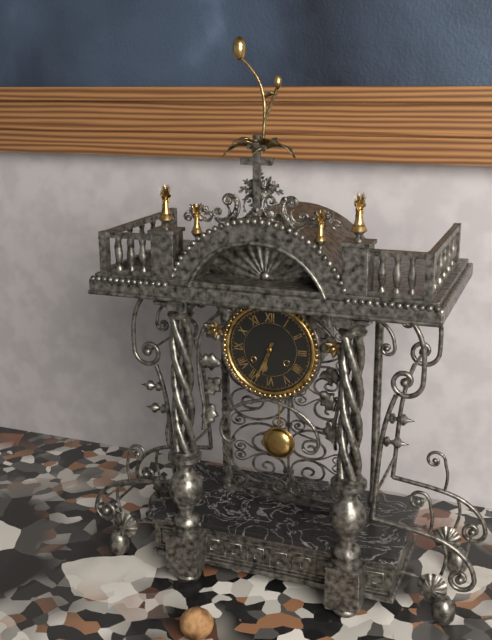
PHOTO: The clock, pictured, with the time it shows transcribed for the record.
6:34
